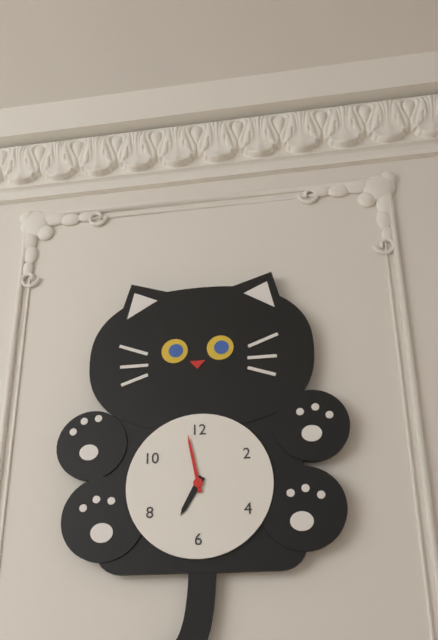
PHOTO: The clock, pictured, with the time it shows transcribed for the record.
6:58
